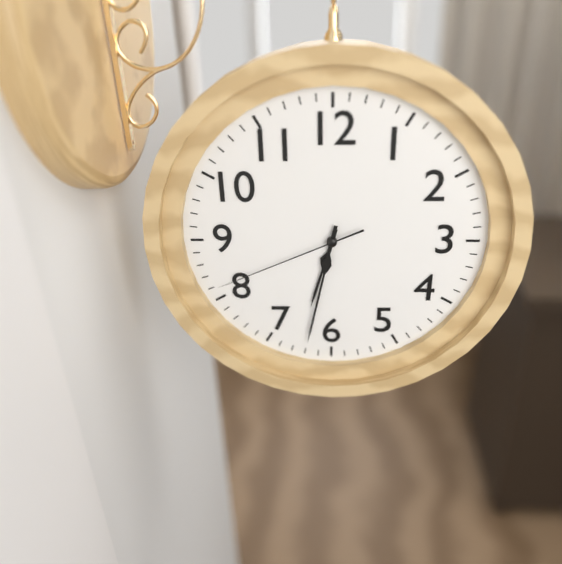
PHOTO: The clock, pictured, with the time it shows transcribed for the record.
6:32:41
